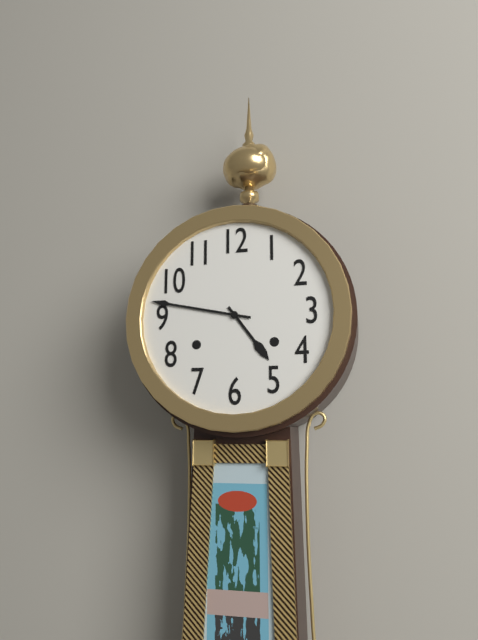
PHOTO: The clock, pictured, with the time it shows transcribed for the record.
4:47
